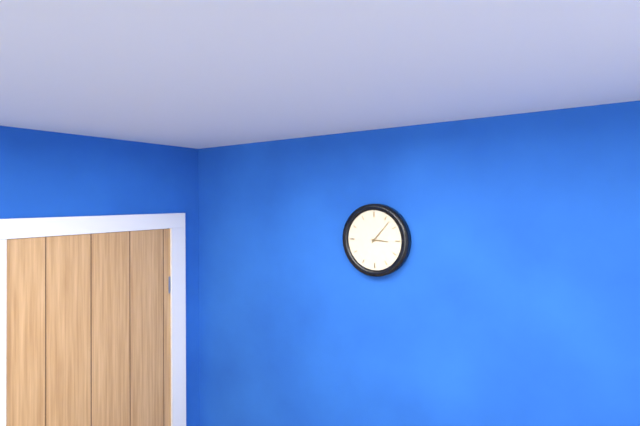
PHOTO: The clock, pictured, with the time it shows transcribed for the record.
3:07
